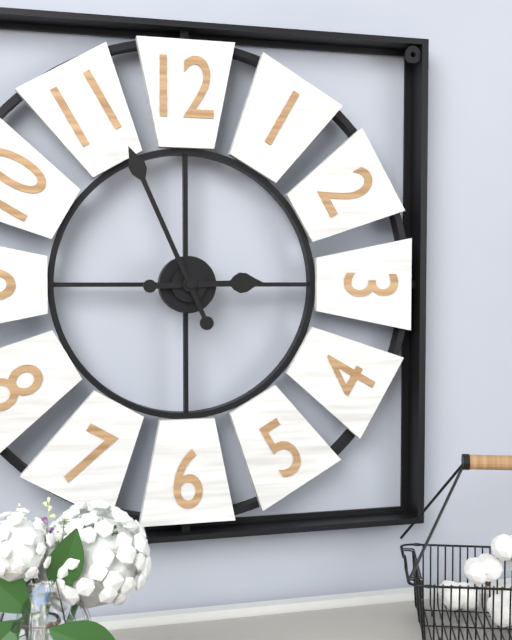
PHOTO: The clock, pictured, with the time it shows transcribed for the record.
2:56
